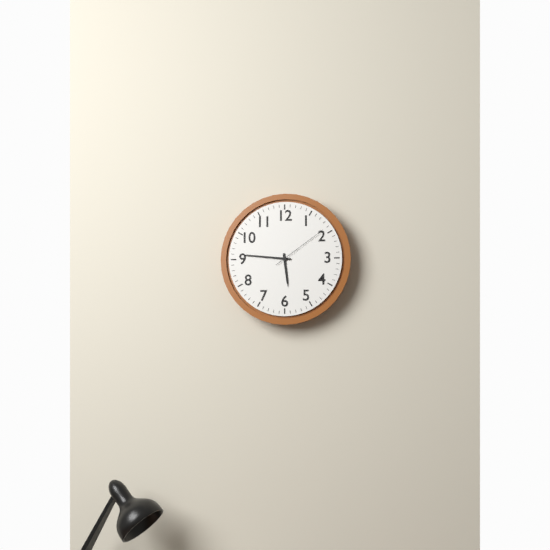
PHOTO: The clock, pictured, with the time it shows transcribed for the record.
5:46:09
